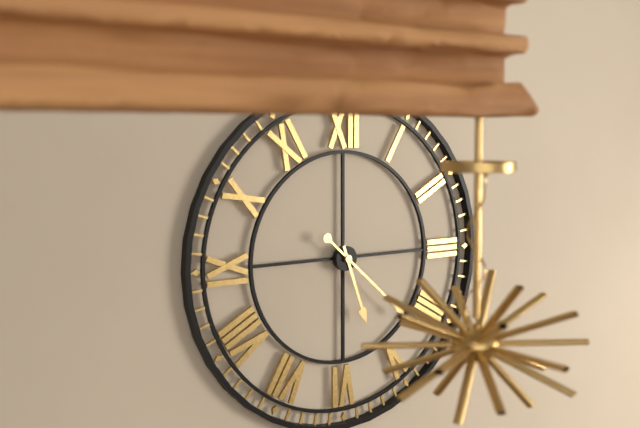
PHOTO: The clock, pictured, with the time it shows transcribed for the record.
5:22
